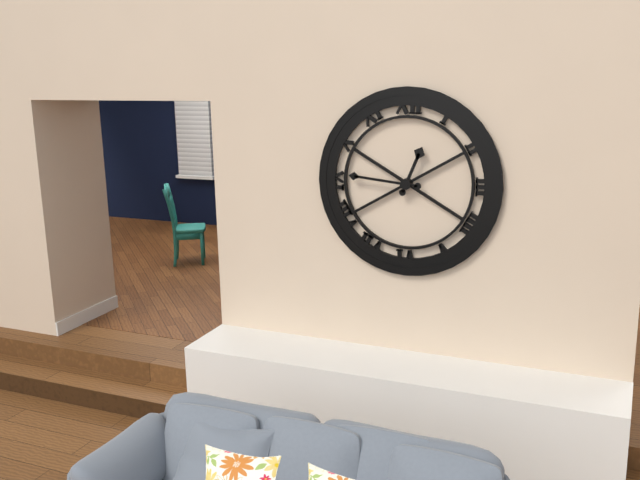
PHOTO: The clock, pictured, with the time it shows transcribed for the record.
12:46
